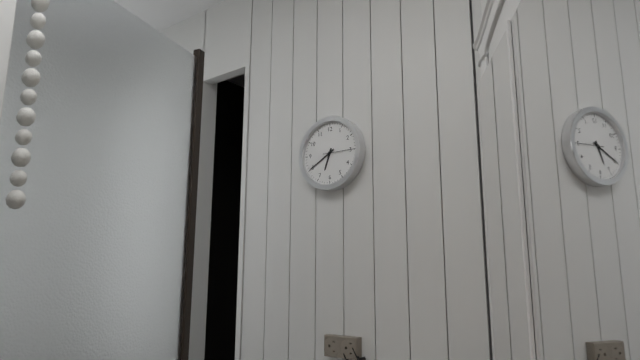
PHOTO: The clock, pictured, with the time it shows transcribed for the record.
6:40
